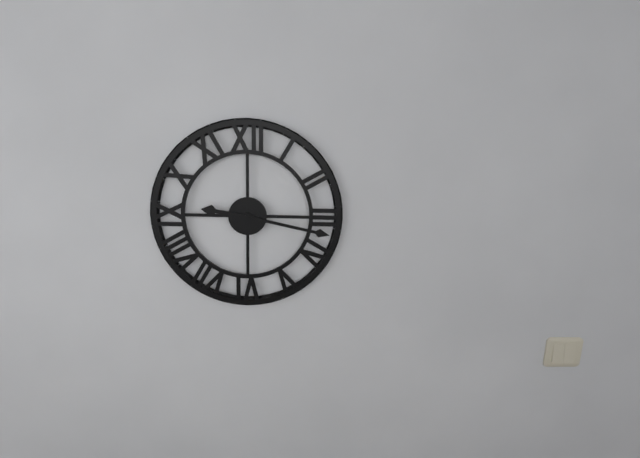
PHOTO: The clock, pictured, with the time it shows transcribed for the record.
9:17
